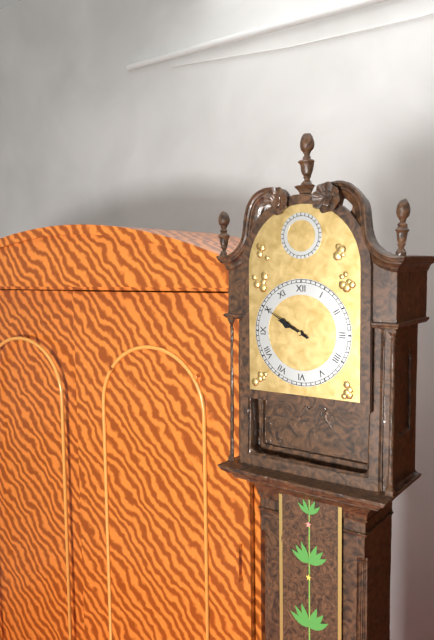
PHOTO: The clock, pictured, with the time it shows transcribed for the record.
9:50
